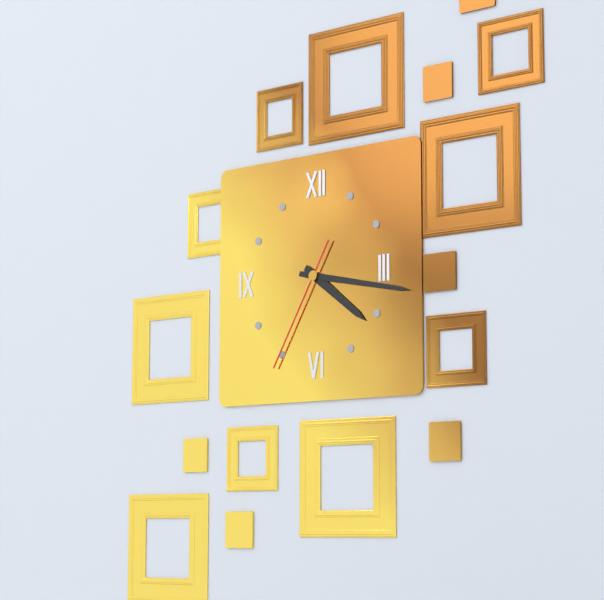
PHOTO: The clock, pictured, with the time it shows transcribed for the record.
4:17:35
